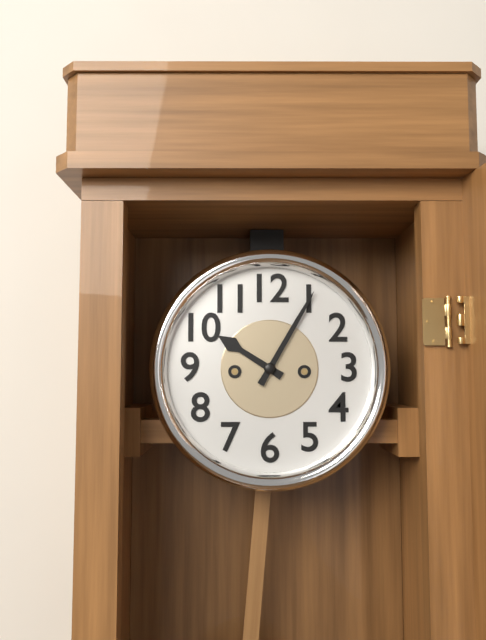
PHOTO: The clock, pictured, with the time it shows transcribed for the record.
10:05
